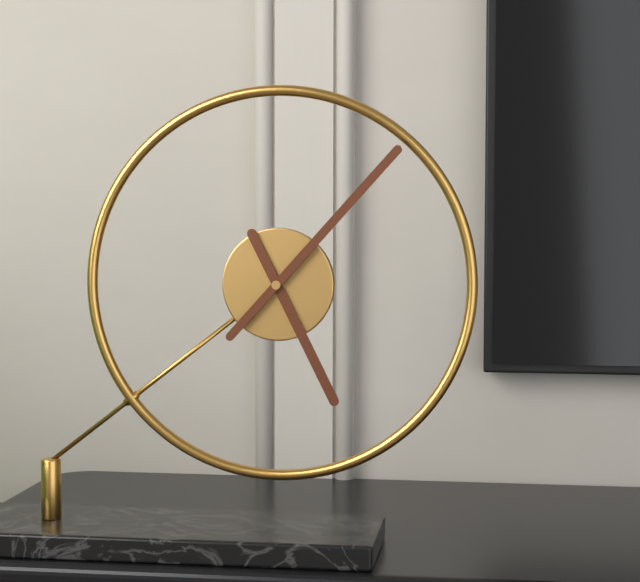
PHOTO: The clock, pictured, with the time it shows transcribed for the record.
5:07
